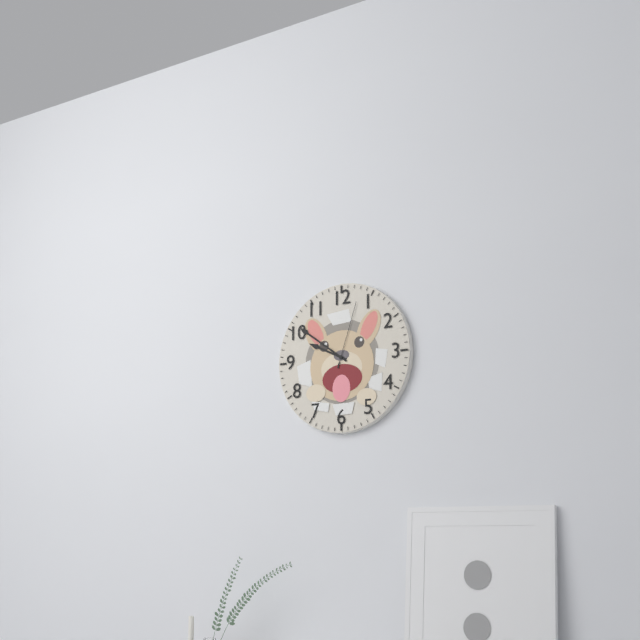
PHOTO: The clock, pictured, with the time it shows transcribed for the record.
9:51:03
